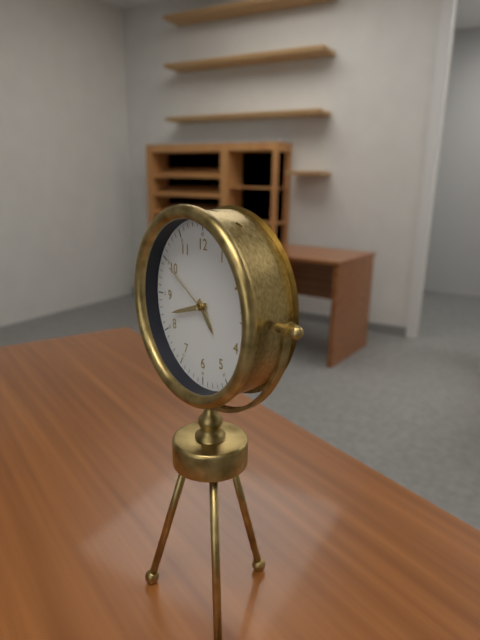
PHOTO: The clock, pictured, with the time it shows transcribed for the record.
4:42:50
